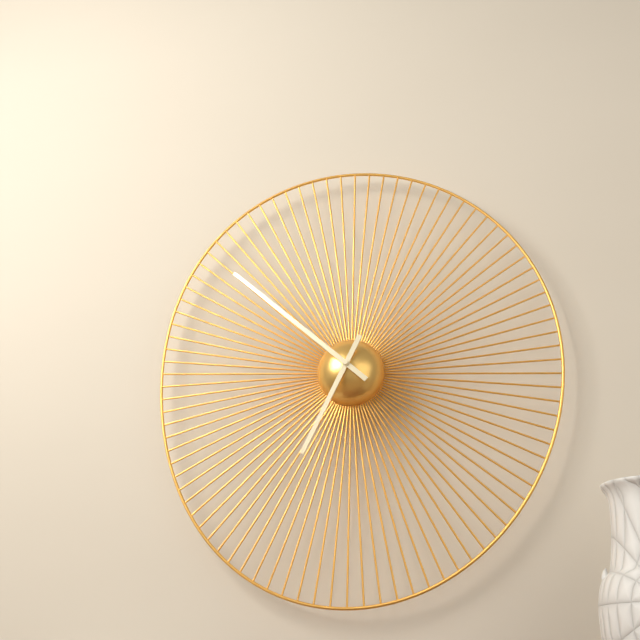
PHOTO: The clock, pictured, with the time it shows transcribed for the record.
6:52
